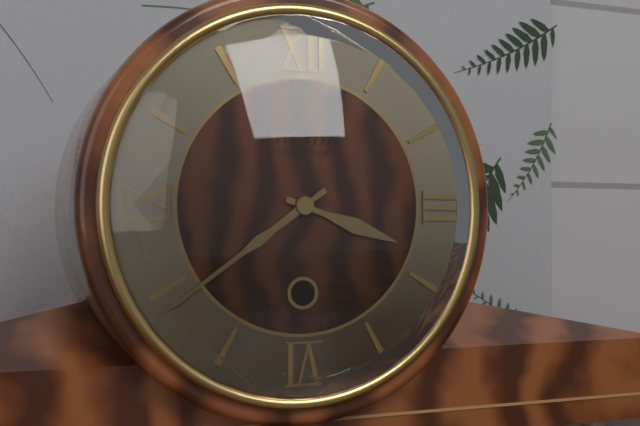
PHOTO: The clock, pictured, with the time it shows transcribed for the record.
3:39
